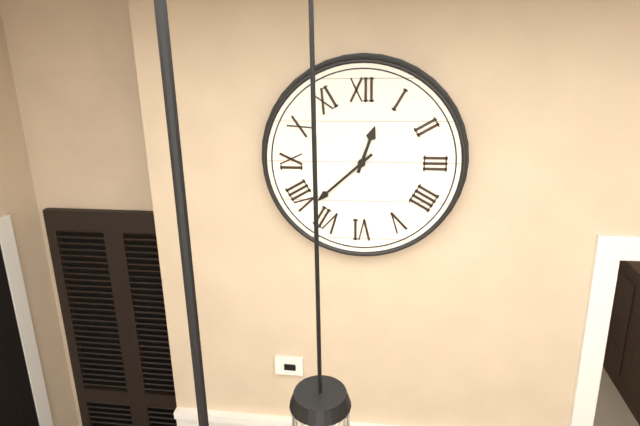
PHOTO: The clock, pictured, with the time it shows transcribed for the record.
12:38
